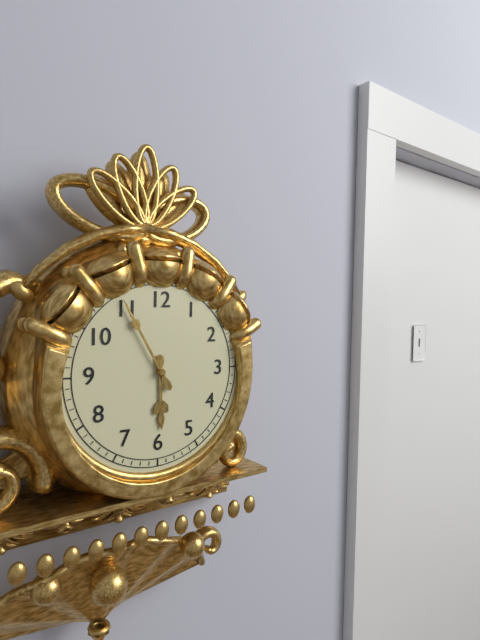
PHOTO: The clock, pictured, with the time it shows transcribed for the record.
5:55
